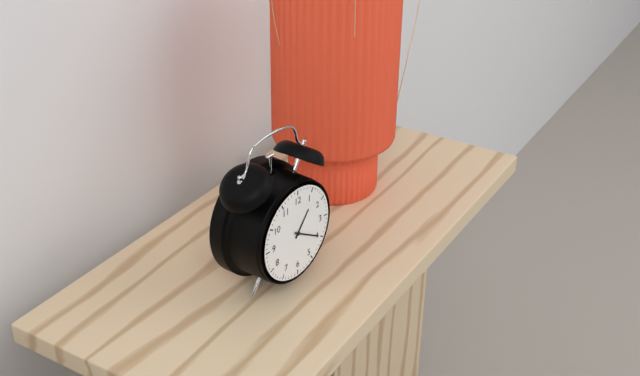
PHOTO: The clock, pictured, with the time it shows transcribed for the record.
1:20
